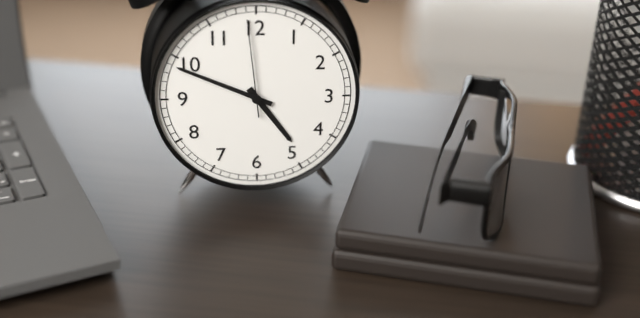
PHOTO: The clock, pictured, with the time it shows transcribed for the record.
4:49:59
